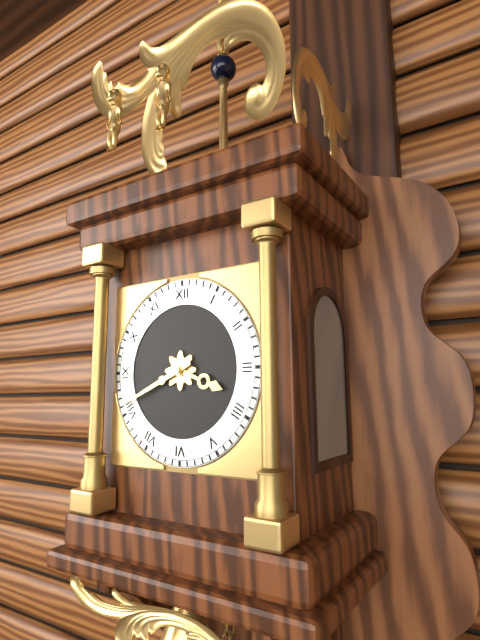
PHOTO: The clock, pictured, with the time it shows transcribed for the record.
3:41
